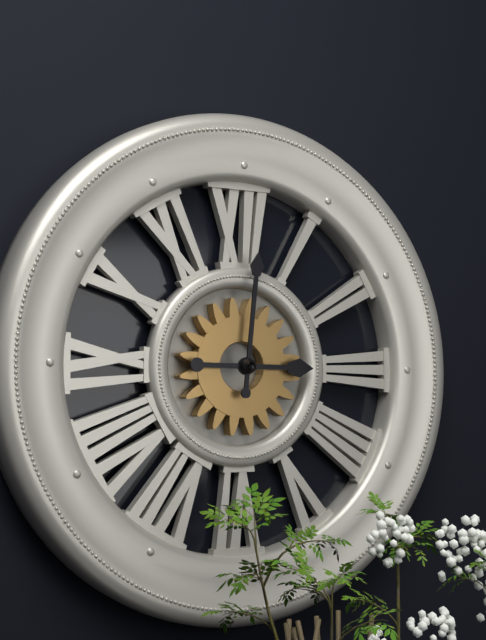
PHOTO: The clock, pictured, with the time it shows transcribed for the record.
3:01
